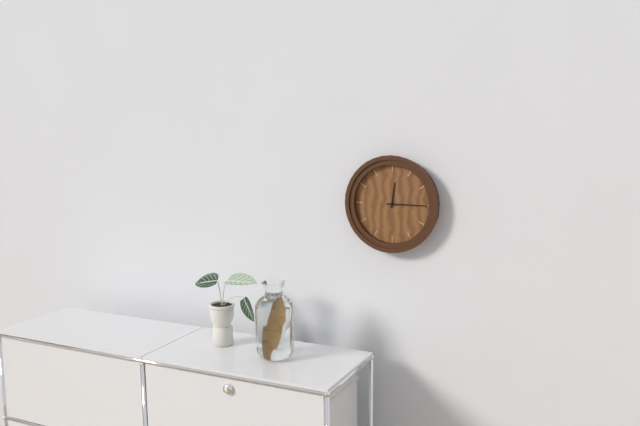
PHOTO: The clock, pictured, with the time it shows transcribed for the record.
12:15
